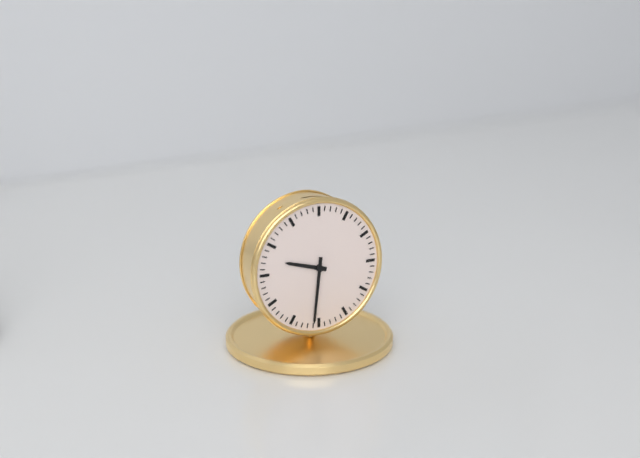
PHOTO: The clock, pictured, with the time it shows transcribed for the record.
9:31
